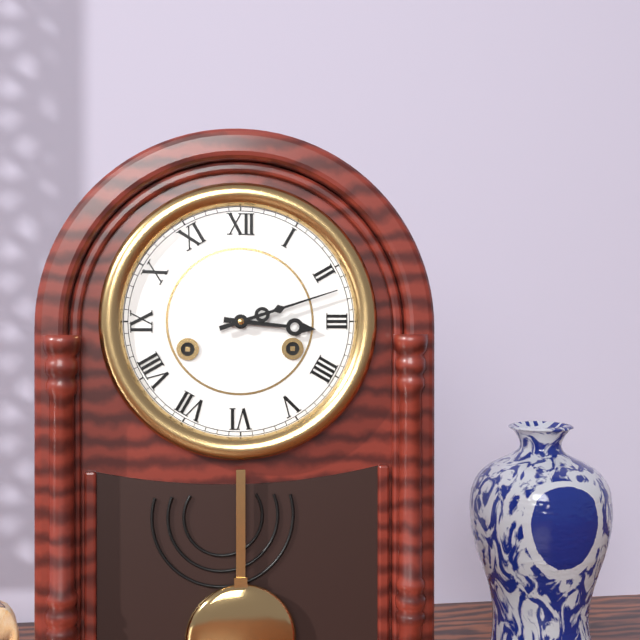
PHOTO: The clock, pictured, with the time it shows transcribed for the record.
3:12
